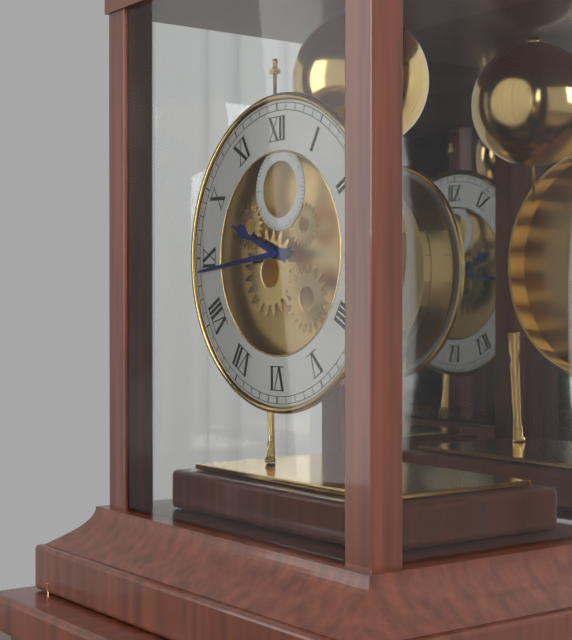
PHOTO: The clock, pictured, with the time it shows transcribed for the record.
9:44
